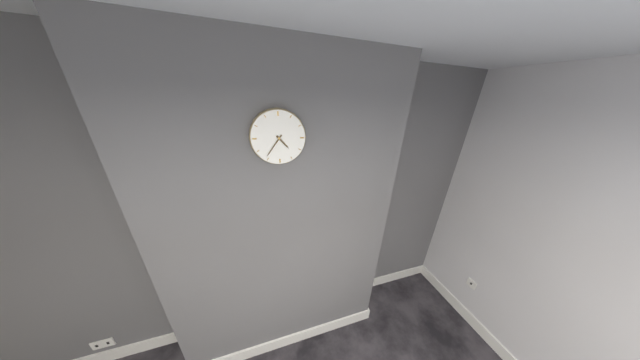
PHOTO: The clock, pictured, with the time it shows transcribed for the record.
4:36
